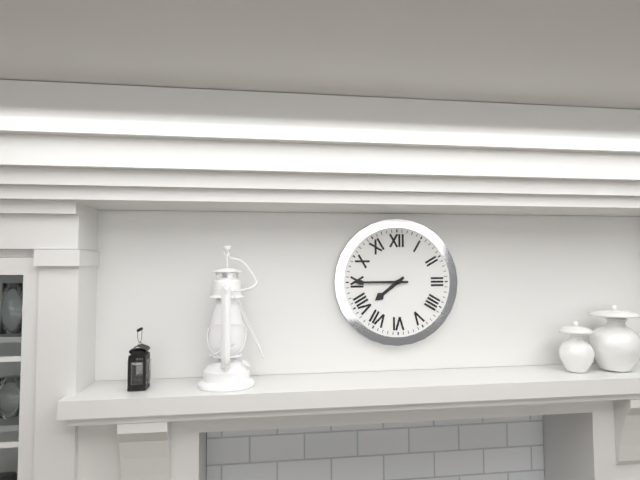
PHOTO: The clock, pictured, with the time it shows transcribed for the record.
7:45
